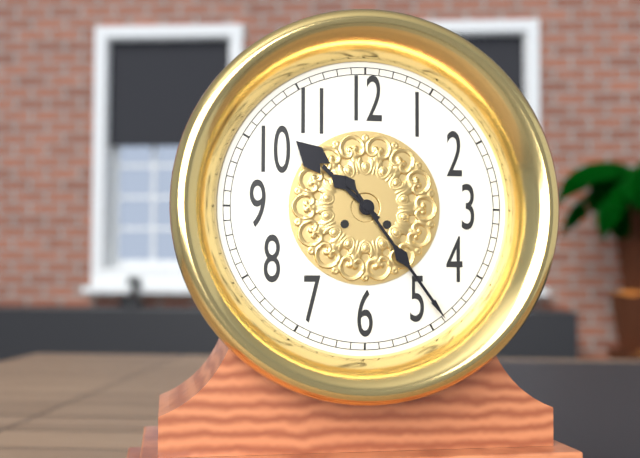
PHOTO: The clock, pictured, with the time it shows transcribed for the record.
10:24
